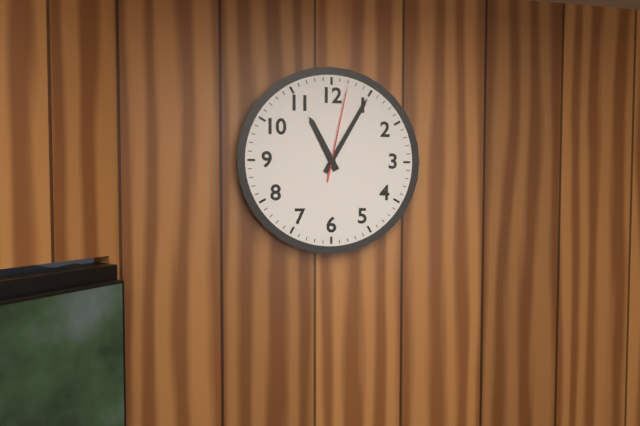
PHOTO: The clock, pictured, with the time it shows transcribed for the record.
11:05:02
